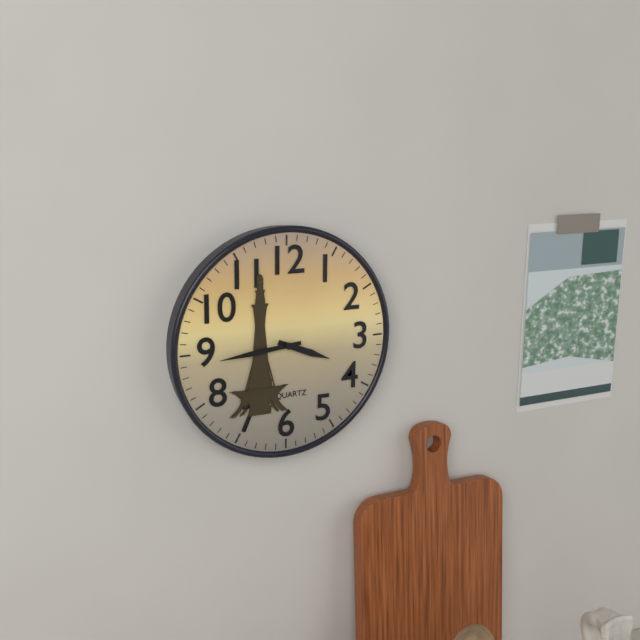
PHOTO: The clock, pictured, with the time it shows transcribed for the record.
3:44
